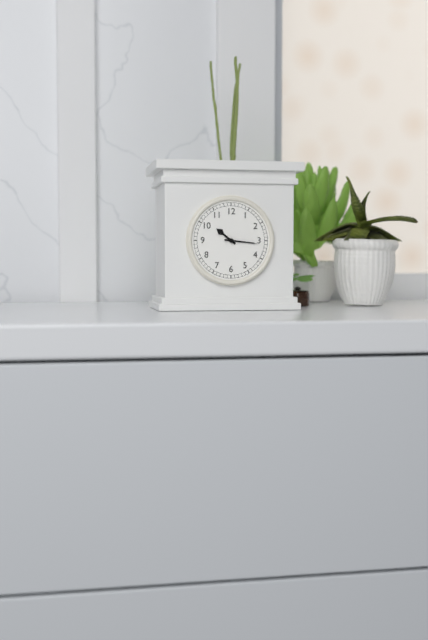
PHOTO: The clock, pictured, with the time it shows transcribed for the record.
10:16
